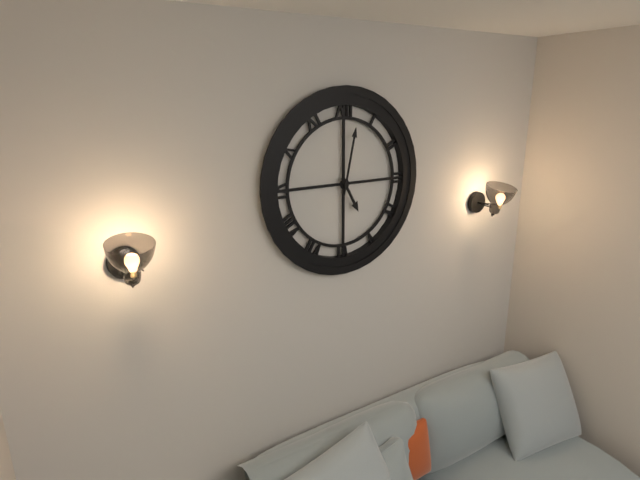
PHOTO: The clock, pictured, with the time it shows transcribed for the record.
5:02
